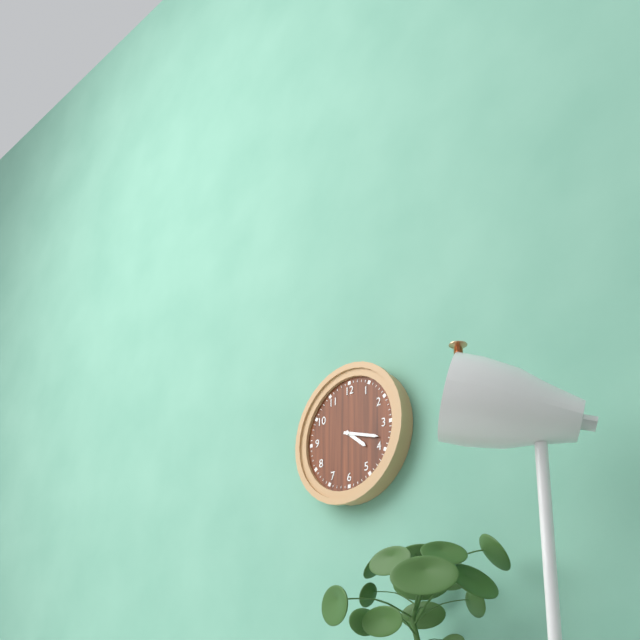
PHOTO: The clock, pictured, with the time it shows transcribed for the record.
4:18
